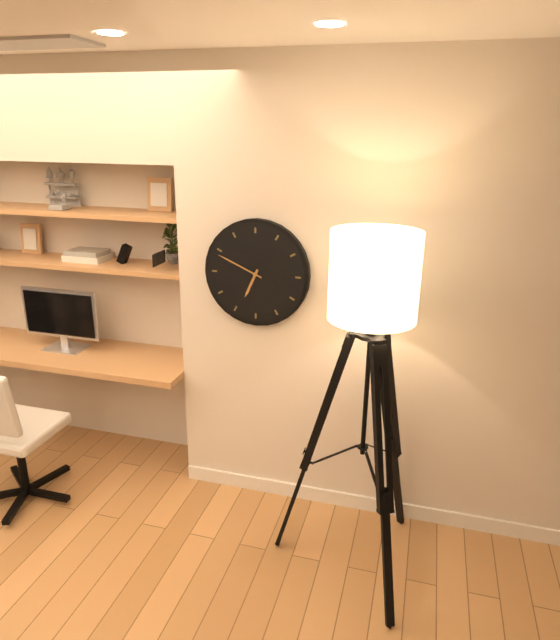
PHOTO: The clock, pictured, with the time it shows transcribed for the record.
6:49
